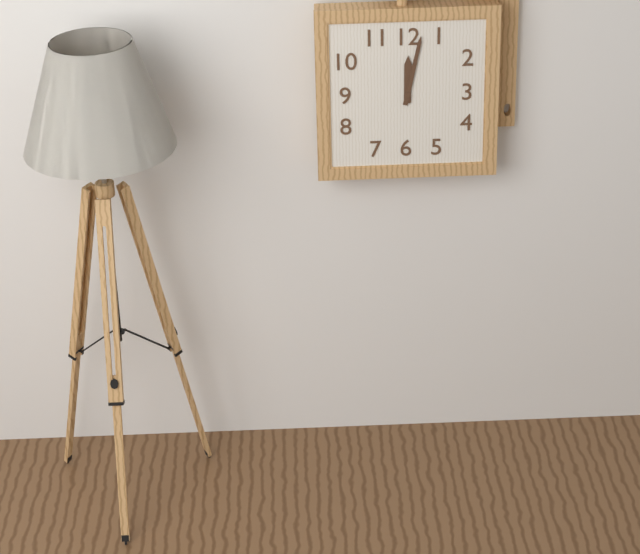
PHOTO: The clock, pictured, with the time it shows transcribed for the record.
12:02
